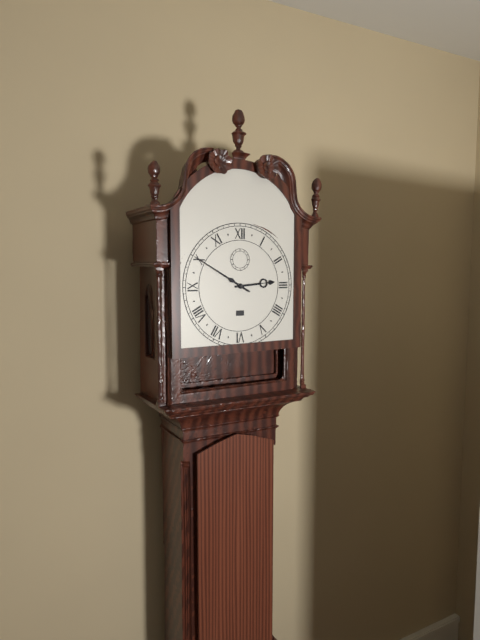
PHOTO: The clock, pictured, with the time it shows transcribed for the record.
2:50
